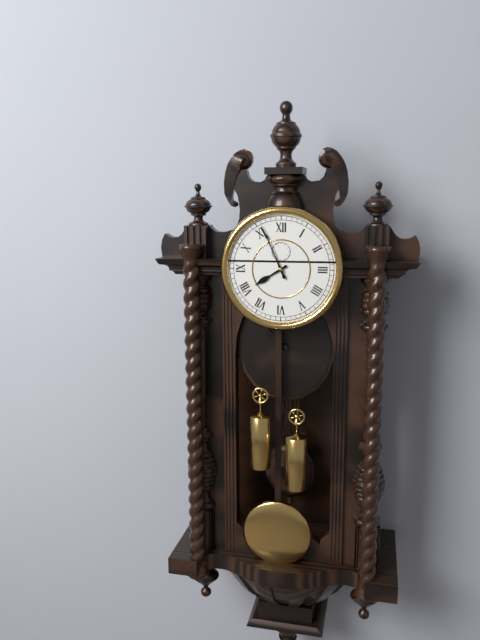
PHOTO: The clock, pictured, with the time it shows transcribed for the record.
7:56
